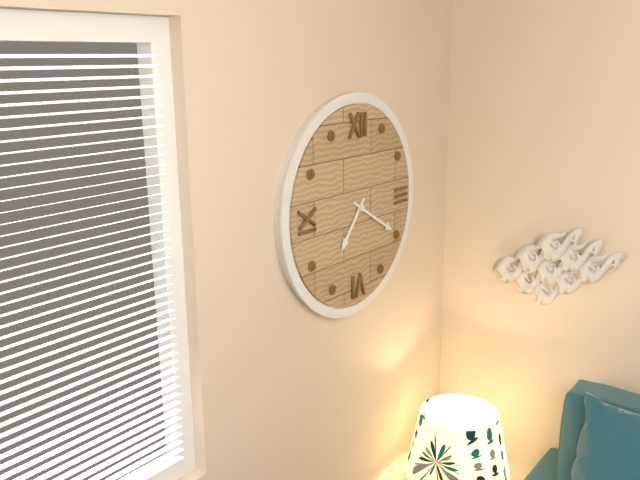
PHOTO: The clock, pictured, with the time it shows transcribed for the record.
7:20
